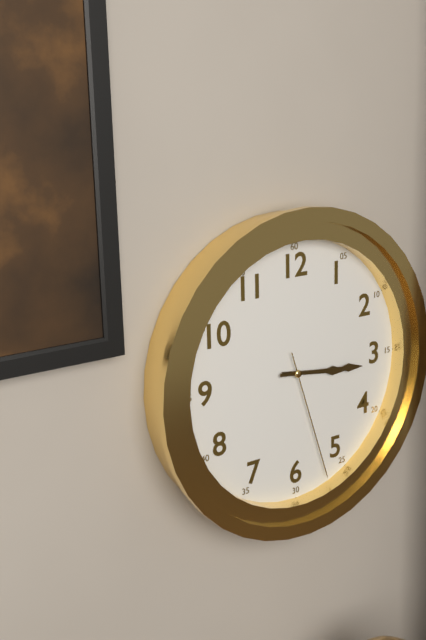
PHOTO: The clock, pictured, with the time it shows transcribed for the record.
3:16:27
